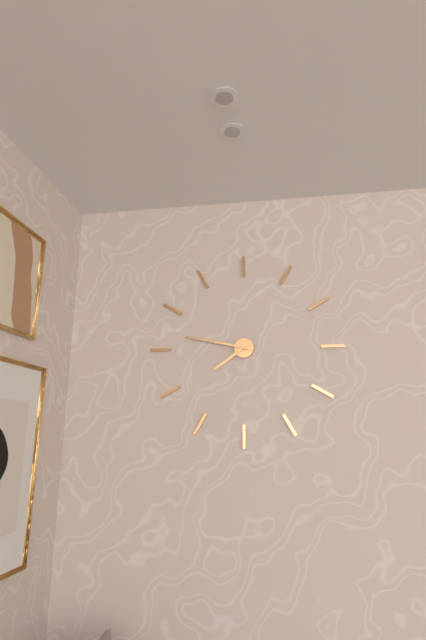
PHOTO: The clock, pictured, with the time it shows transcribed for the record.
7:47
